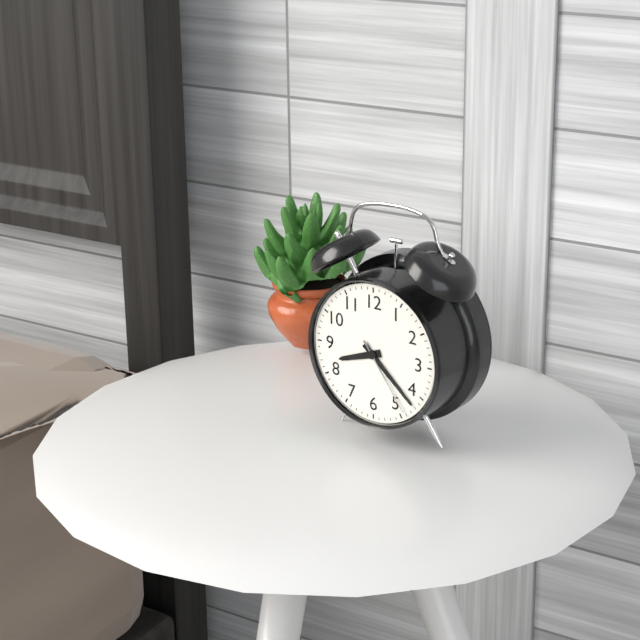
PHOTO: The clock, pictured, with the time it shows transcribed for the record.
8:22:24
